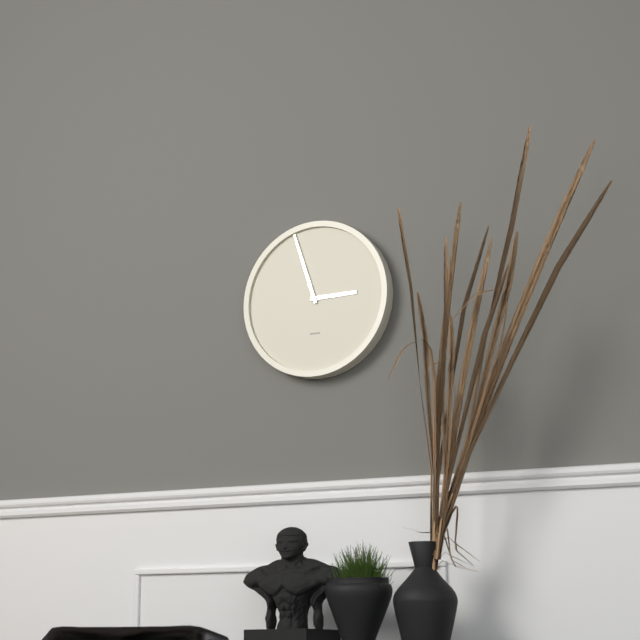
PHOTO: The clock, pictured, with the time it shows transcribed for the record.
2:57
